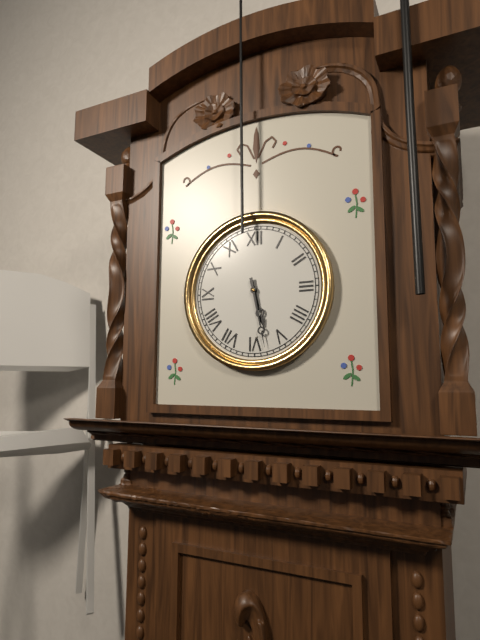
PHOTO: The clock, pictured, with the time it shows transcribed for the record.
5:28
